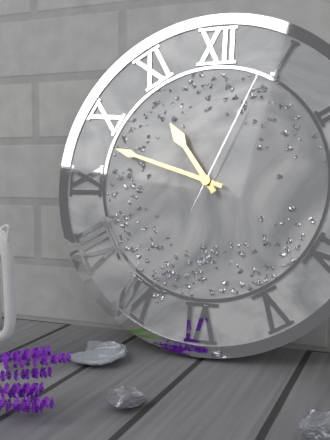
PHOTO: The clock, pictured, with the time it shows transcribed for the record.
10:48:04
